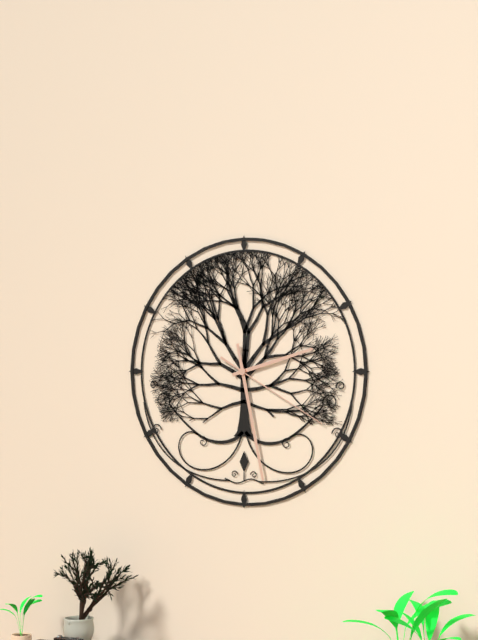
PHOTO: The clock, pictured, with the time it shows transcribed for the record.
2:28:20
